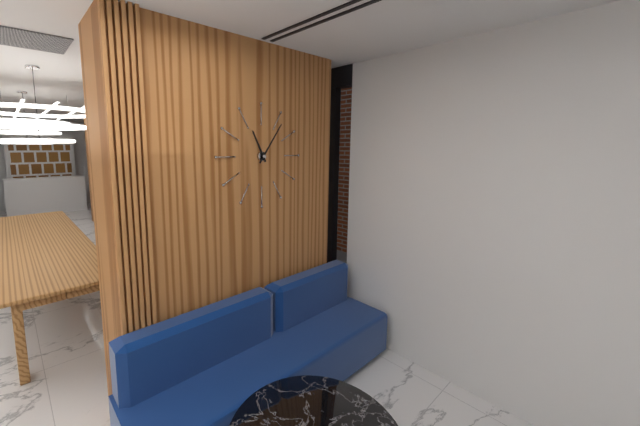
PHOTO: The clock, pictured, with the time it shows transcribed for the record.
11:06
